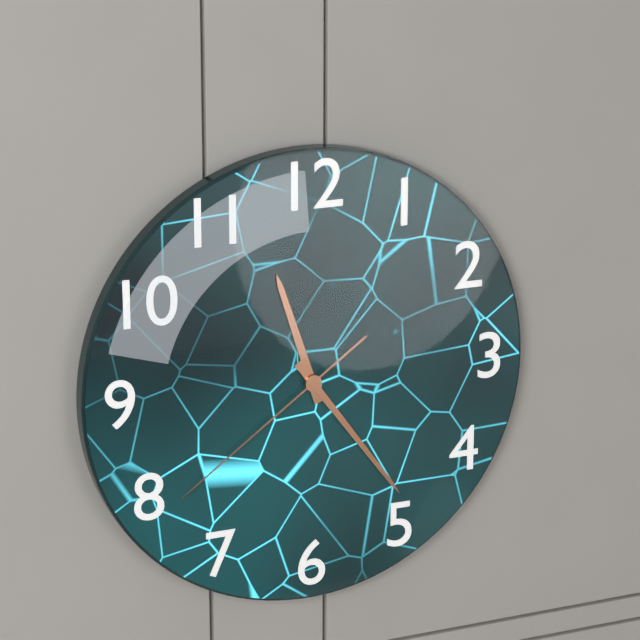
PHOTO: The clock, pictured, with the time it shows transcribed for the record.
11:24:39
